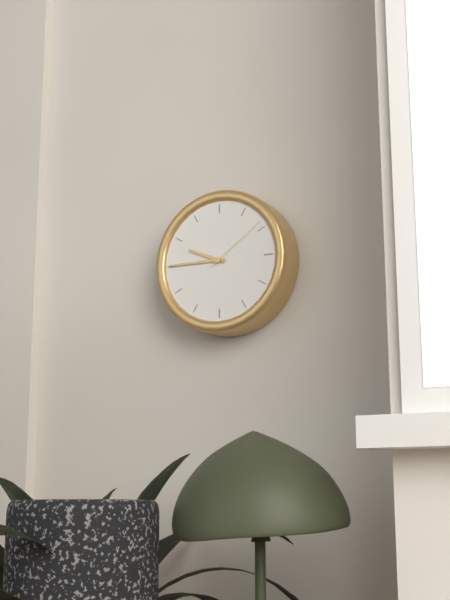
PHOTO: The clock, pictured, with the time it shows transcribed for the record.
9:45:09
